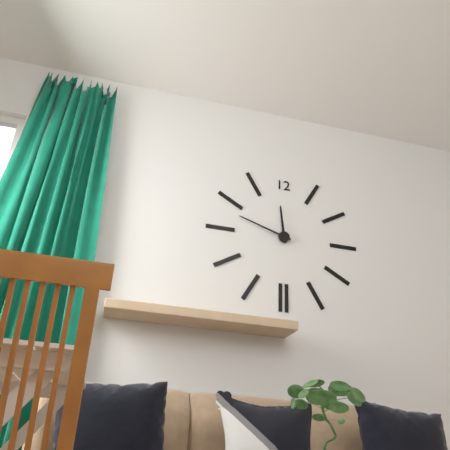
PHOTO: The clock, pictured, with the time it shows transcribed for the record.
11:48
